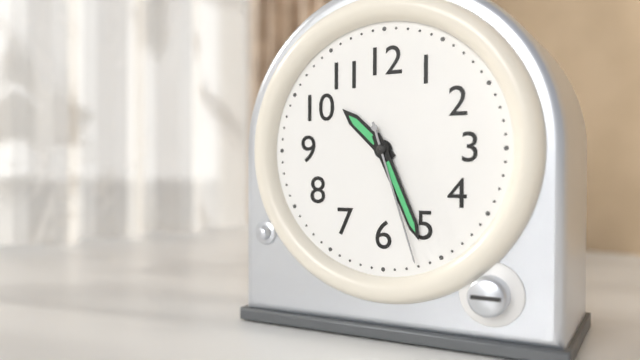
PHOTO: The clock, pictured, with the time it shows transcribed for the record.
10:26:27
